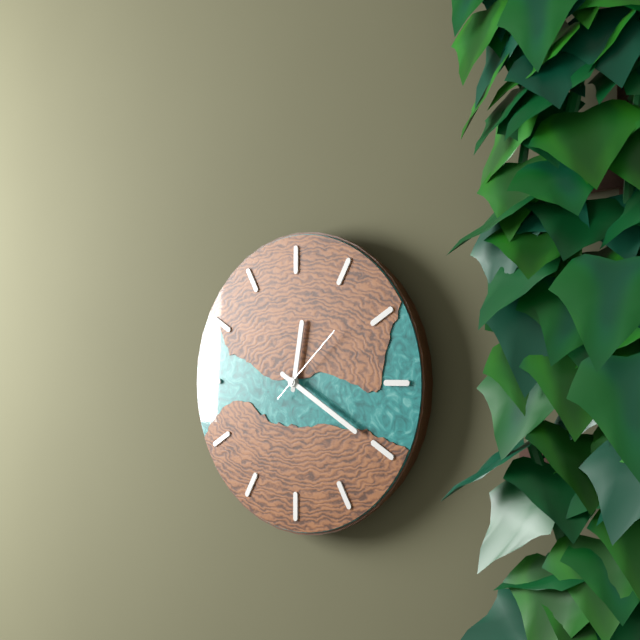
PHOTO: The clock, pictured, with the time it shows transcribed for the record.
12:20:08
